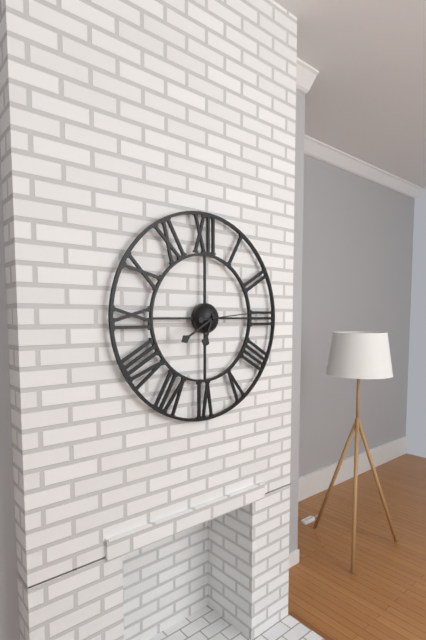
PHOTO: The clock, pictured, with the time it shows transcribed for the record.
6:40:14
